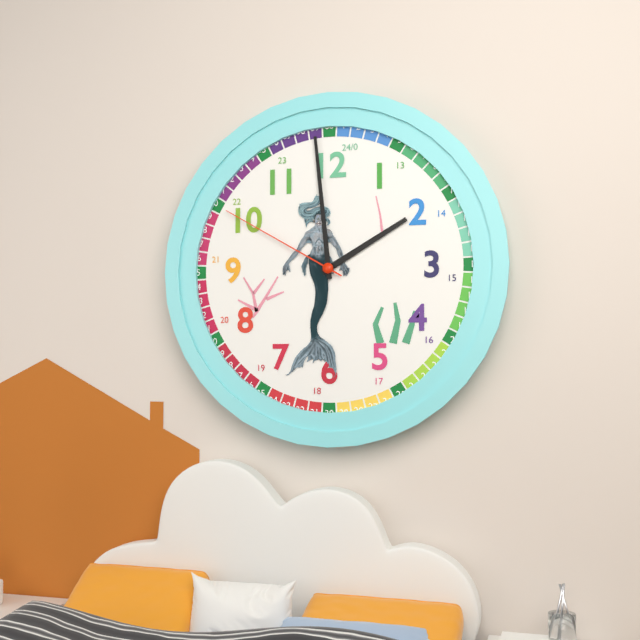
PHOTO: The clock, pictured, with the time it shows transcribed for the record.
1:59:50
